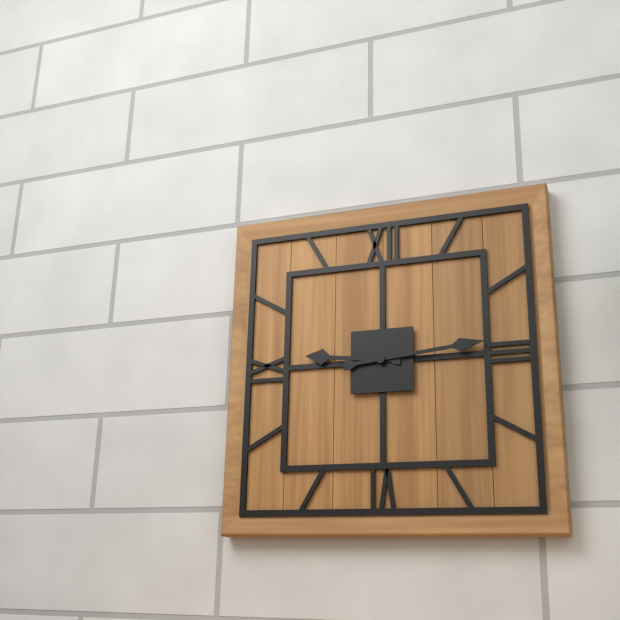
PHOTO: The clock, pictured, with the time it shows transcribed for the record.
9:14
